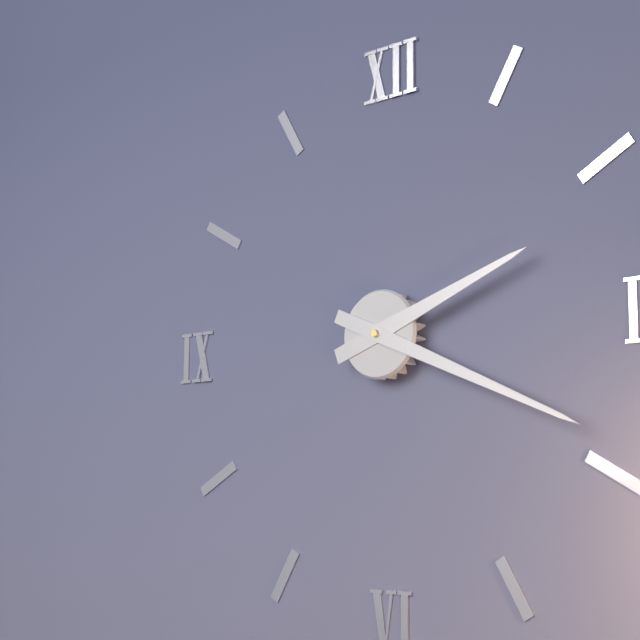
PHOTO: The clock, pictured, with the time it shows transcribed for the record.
2:19
